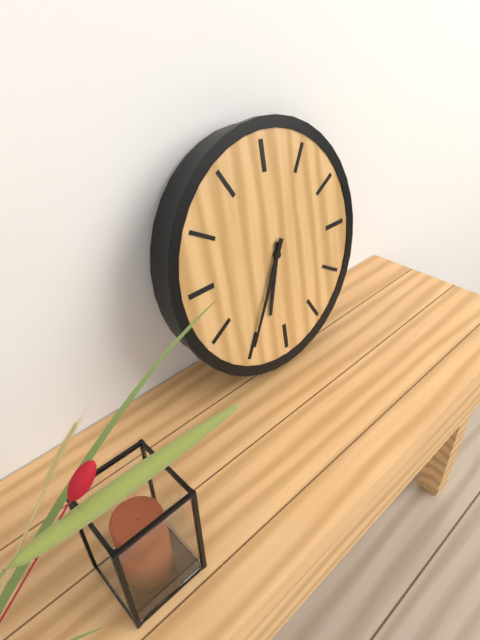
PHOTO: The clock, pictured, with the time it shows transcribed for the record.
6:35
